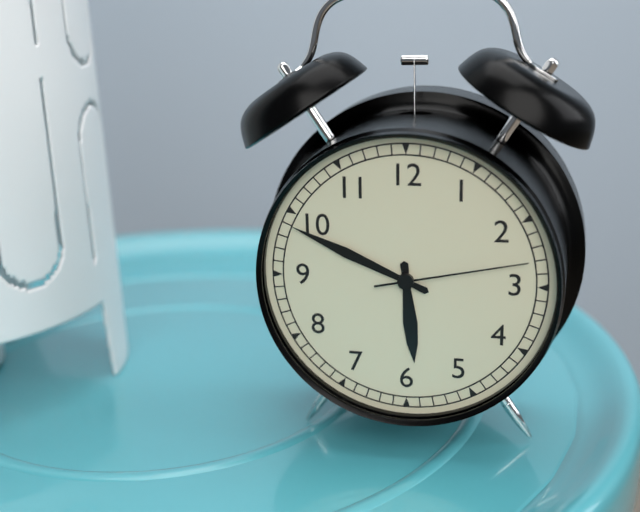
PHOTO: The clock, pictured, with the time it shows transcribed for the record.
5:49:13
